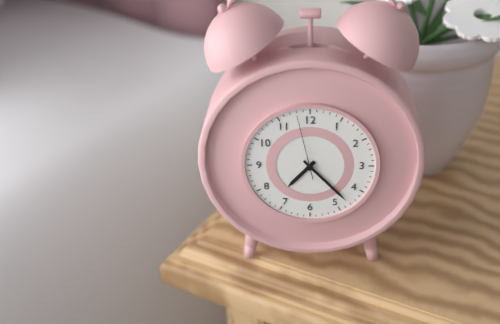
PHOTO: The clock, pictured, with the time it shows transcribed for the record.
7:23:58
